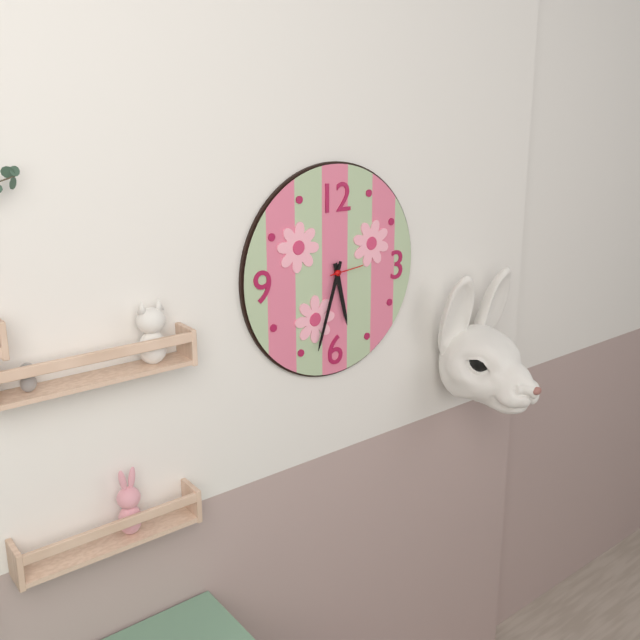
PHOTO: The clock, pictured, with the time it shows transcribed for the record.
5:33
